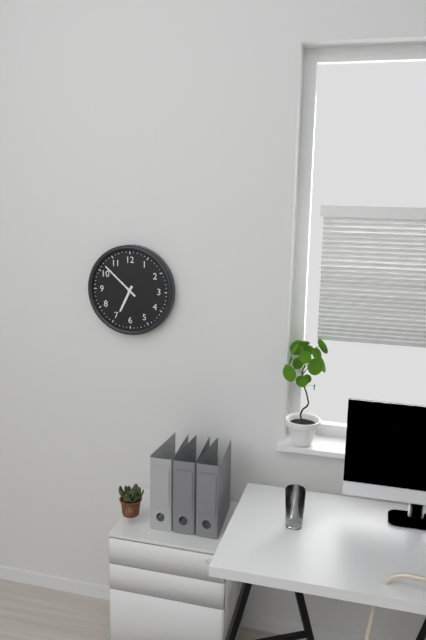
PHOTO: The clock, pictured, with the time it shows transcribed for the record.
6:52
